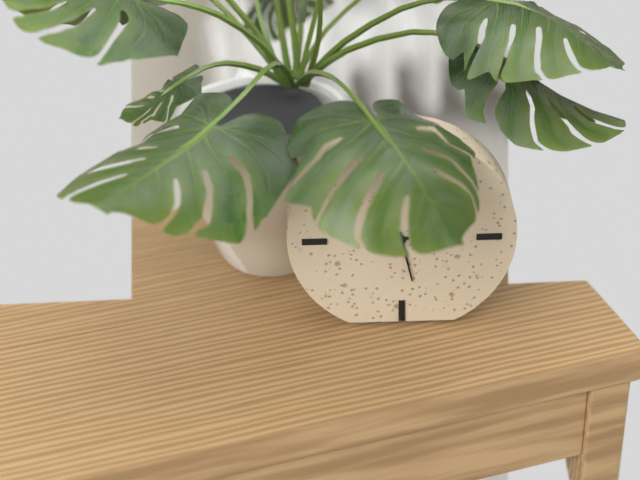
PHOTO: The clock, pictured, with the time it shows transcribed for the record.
8:28
